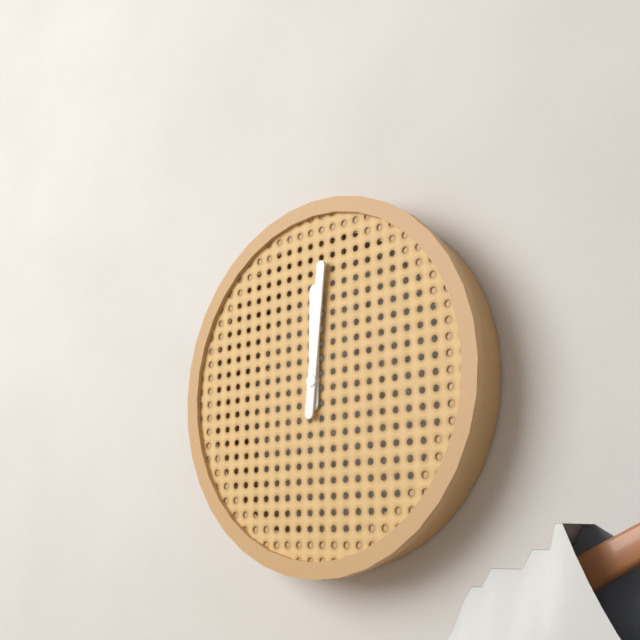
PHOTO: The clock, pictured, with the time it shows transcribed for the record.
12:01
